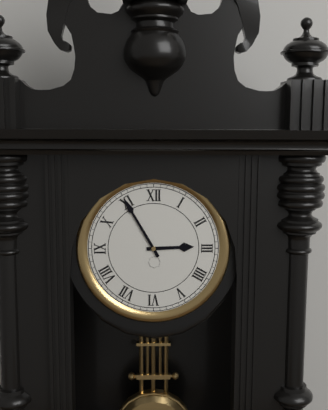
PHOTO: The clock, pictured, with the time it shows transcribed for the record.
2:55
